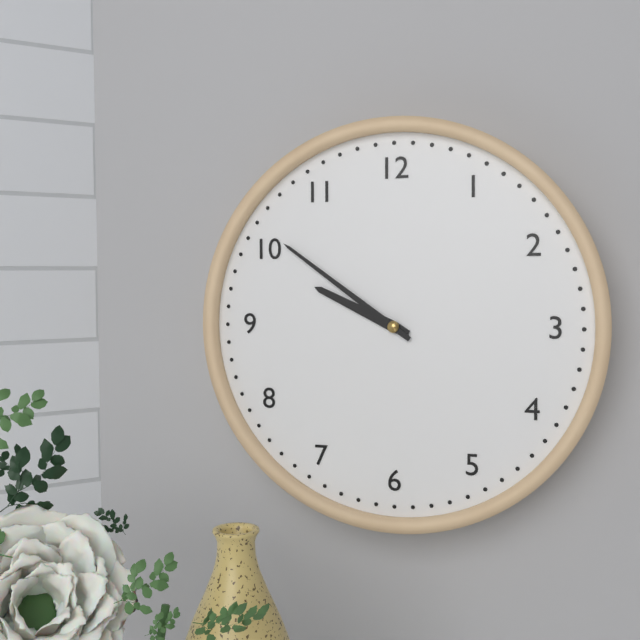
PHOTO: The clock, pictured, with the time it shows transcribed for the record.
9:51
